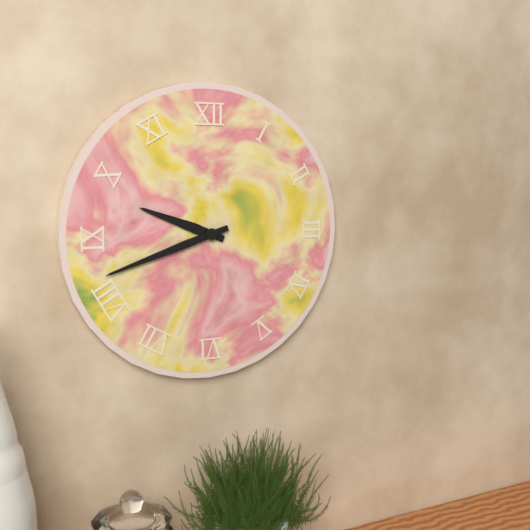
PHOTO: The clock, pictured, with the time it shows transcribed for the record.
9:42
